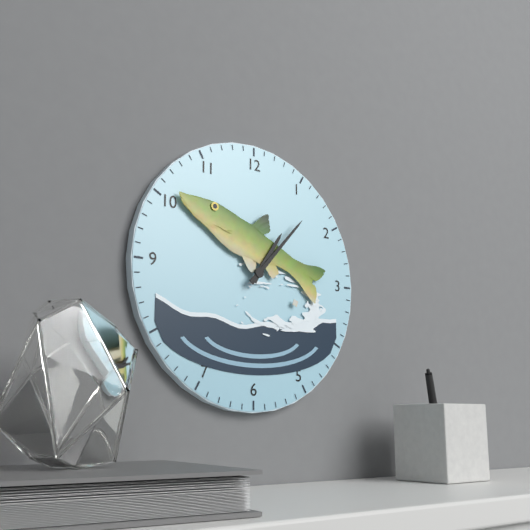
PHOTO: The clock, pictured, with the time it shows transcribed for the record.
1:07
